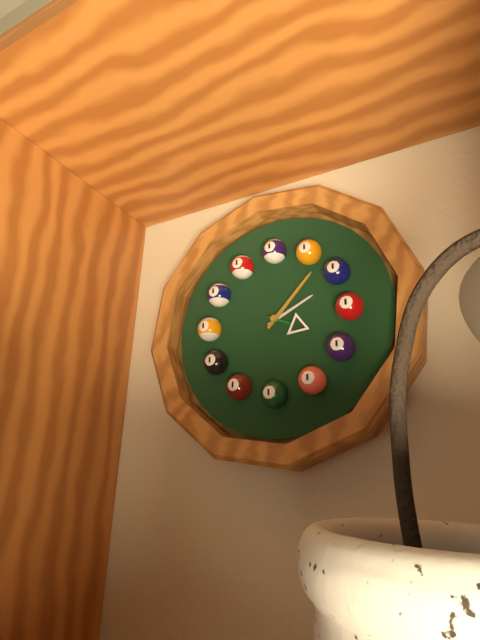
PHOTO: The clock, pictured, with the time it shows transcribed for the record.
2:07:19
